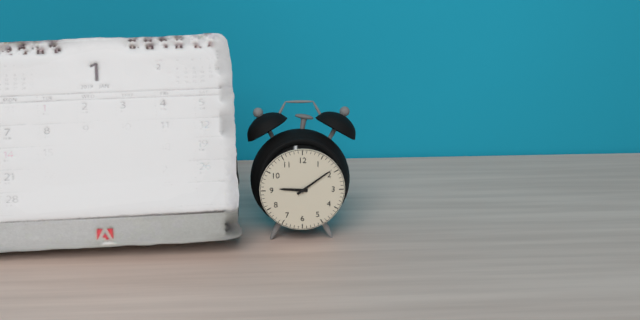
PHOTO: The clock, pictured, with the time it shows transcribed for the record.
9:09
